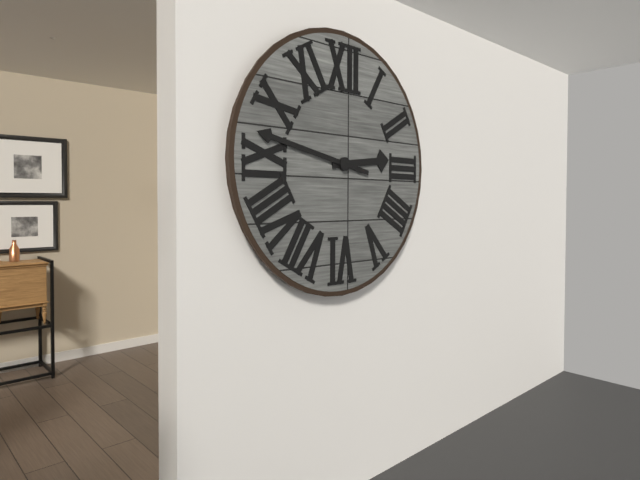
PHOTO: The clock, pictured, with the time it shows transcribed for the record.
2:47
